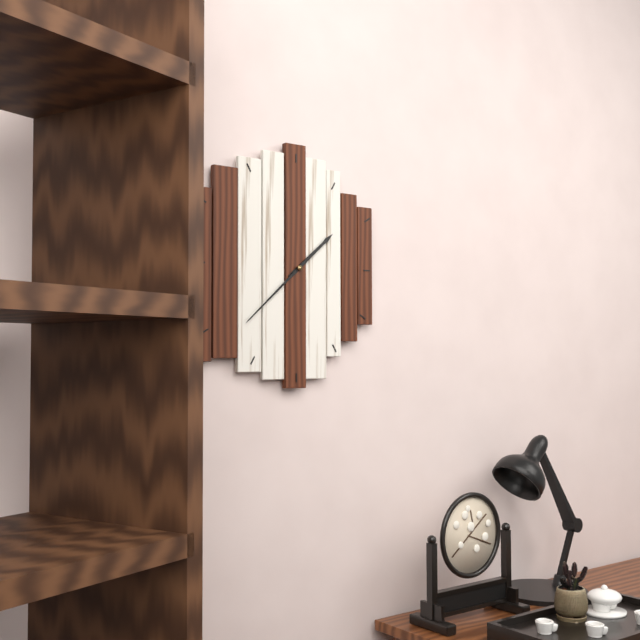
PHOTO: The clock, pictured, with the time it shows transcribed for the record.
1:38
